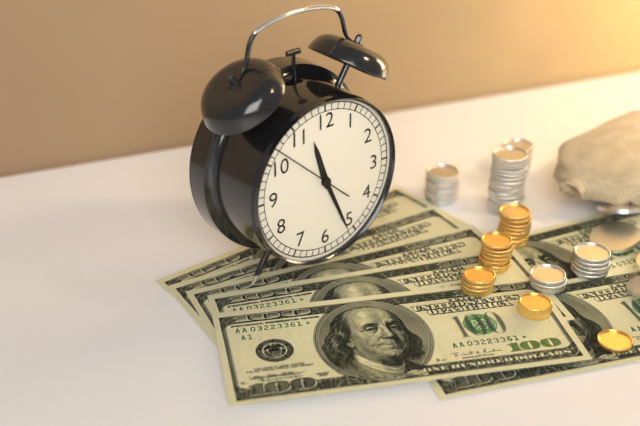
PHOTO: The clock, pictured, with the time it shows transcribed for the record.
11:26:52
